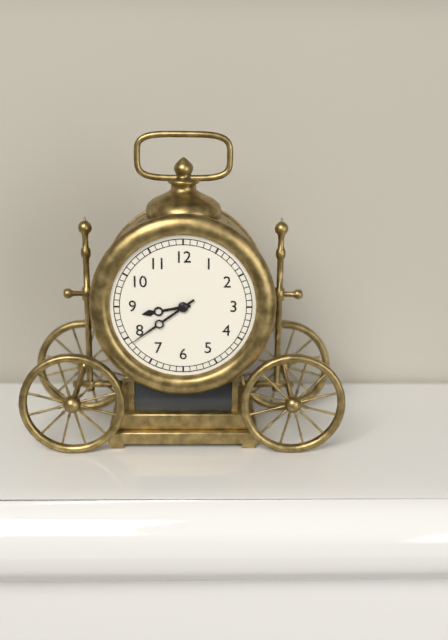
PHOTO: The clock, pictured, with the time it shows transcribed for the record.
8:39
